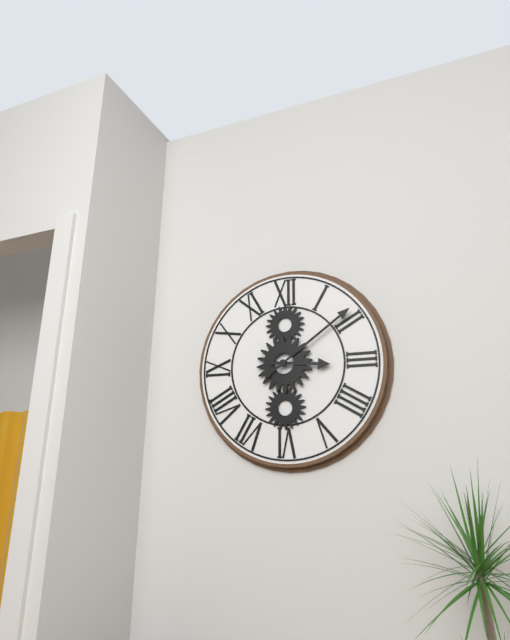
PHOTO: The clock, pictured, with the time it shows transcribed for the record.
3:09
